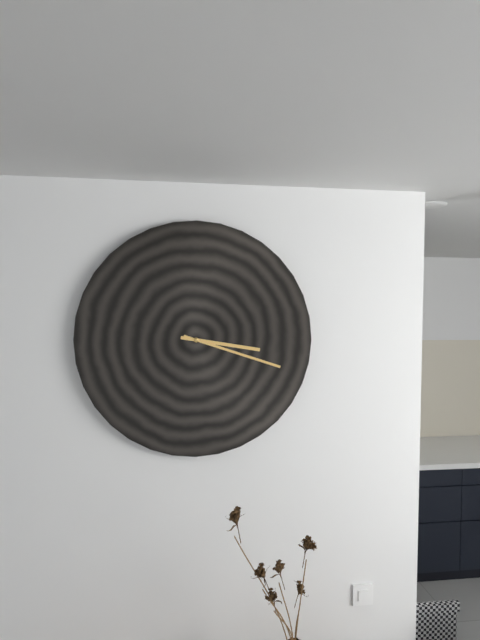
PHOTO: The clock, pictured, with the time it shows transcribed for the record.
3:18
